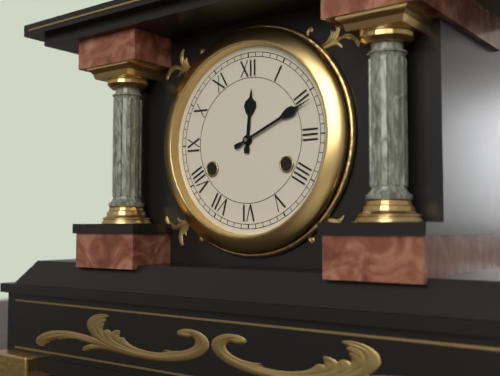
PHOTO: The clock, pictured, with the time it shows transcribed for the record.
12:11
